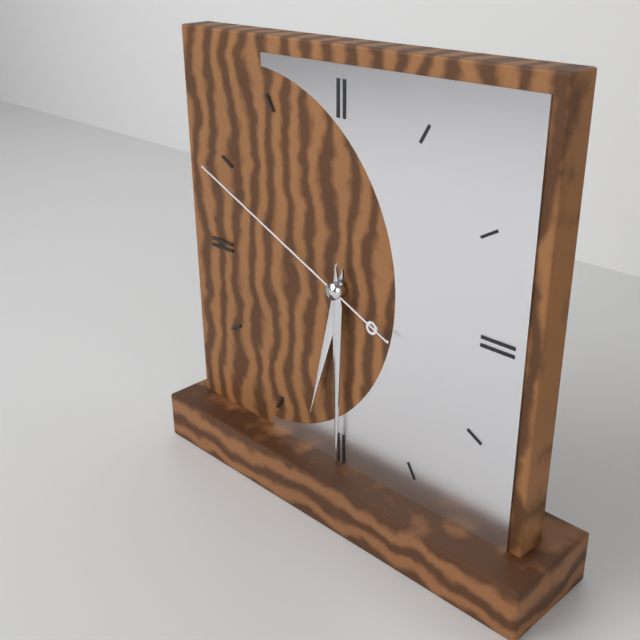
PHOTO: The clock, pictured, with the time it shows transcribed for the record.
6:30:49
